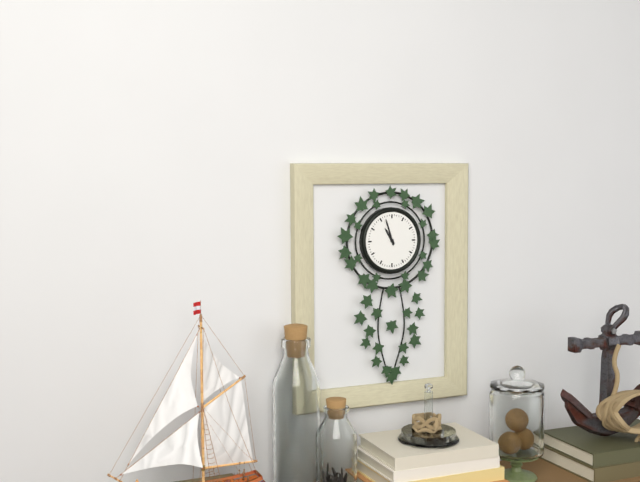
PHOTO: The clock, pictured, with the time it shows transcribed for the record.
10:57
